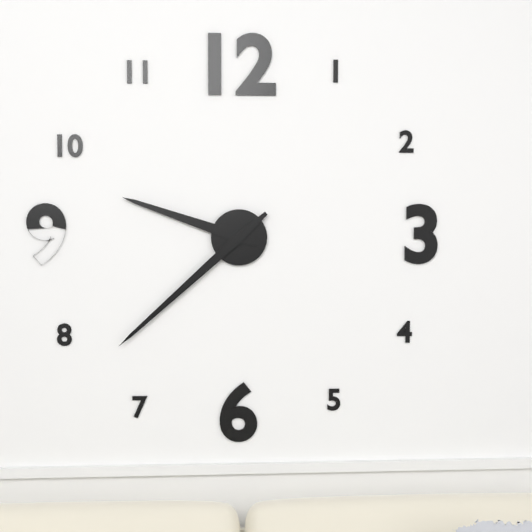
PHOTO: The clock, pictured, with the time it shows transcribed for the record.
9:38
